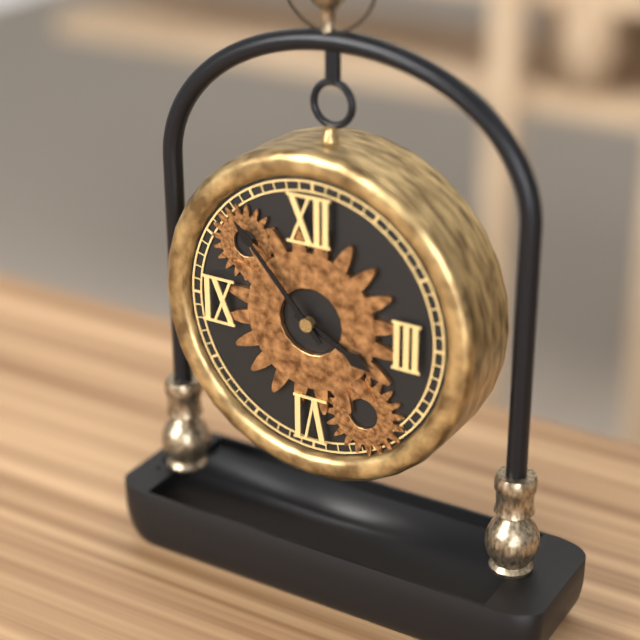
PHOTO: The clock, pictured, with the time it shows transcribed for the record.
3:53
